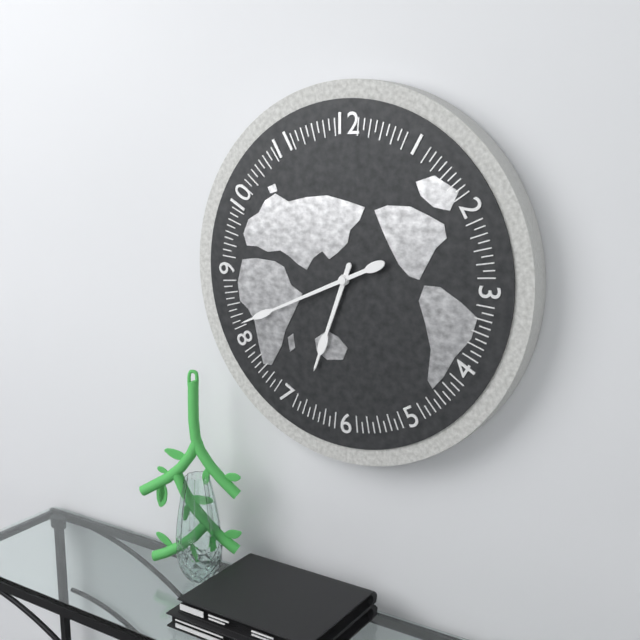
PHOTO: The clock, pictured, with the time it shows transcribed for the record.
6:41
